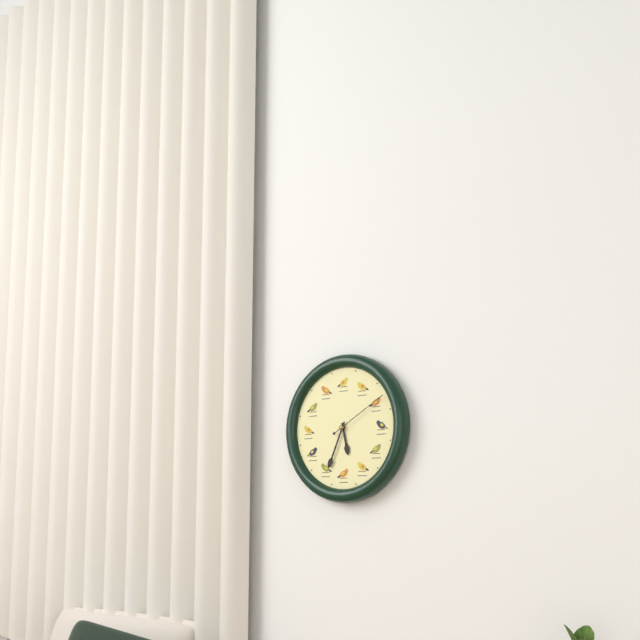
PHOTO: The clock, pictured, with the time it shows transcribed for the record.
5:34:10
